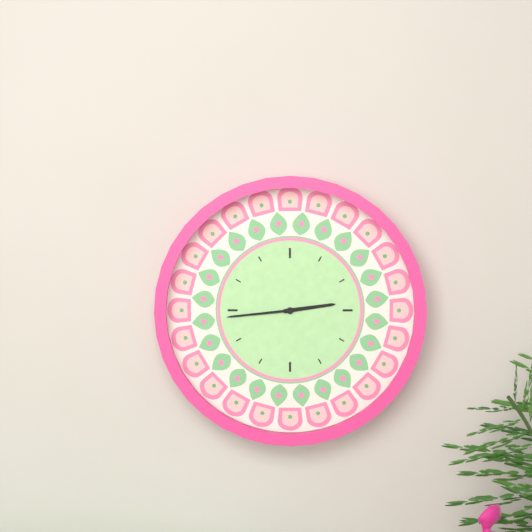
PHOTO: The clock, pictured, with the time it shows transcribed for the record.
2:44
